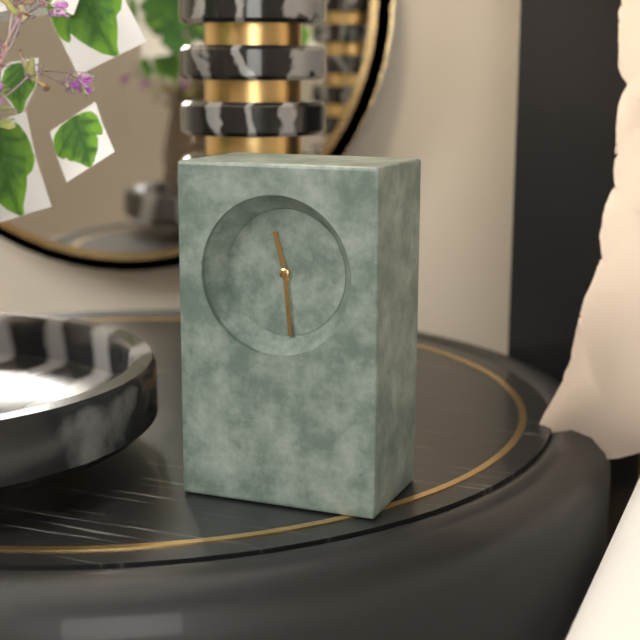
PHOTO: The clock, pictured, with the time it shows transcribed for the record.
11:29
